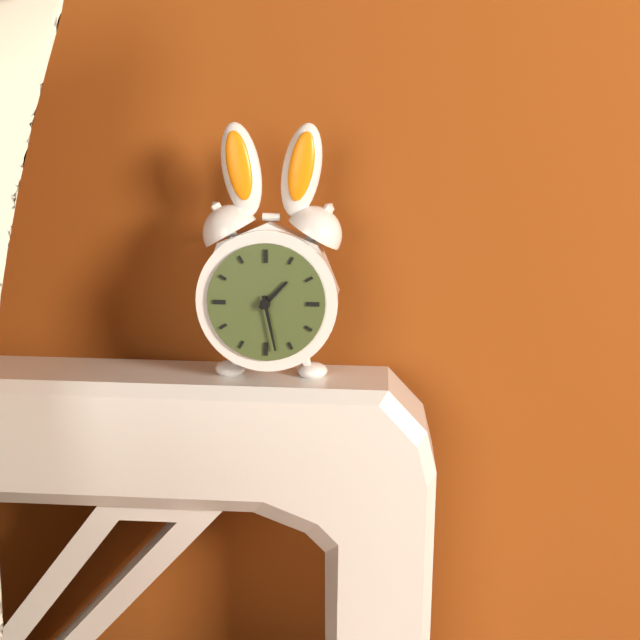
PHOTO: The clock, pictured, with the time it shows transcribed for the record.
1:28
